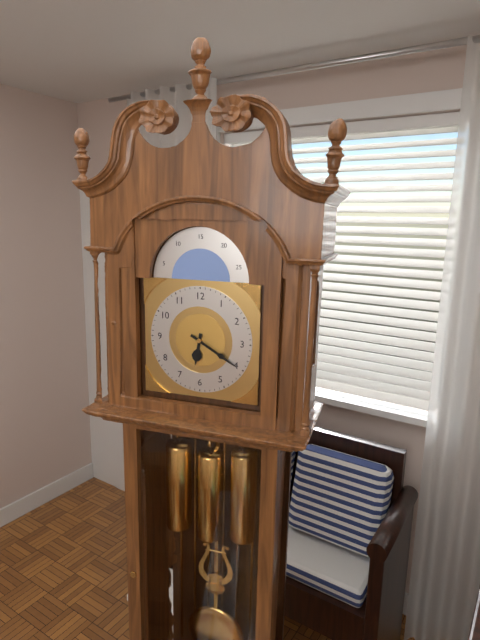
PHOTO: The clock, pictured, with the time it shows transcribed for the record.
6:20
